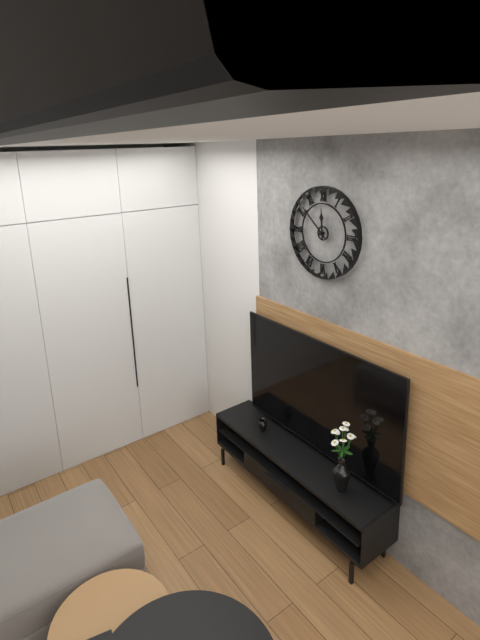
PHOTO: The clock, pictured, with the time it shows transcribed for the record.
11:52
